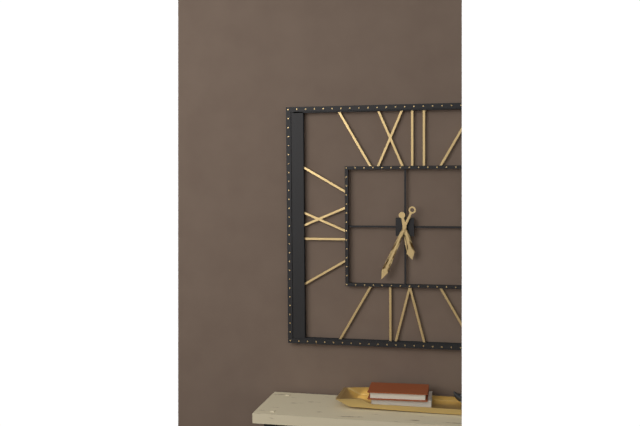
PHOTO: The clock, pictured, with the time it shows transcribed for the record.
5:34
